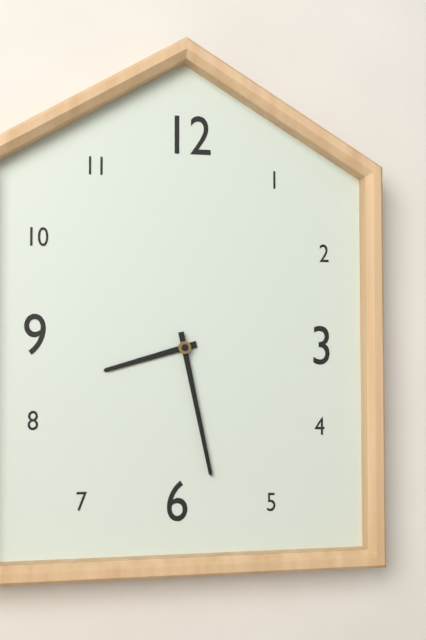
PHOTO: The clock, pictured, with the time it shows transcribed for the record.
8:28
